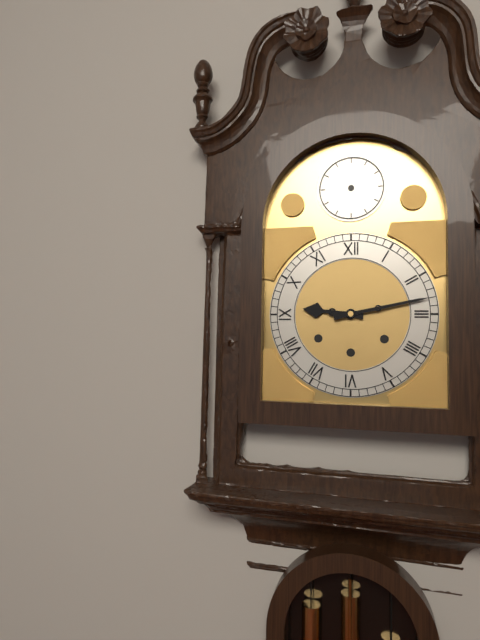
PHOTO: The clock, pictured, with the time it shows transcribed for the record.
9:13
